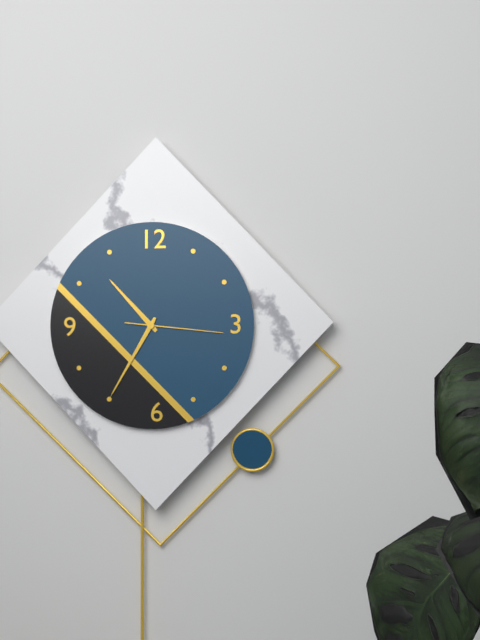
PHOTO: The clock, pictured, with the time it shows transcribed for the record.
10:35:16
